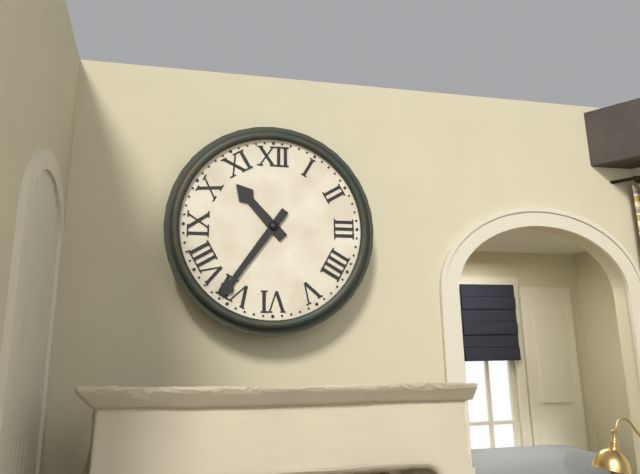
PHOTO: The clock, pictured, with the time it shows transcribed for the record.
10:36
